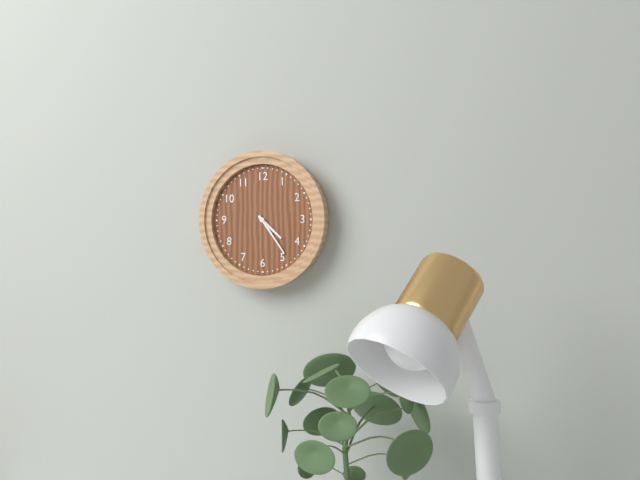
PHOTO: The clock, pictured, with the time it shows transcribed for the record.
4:24
